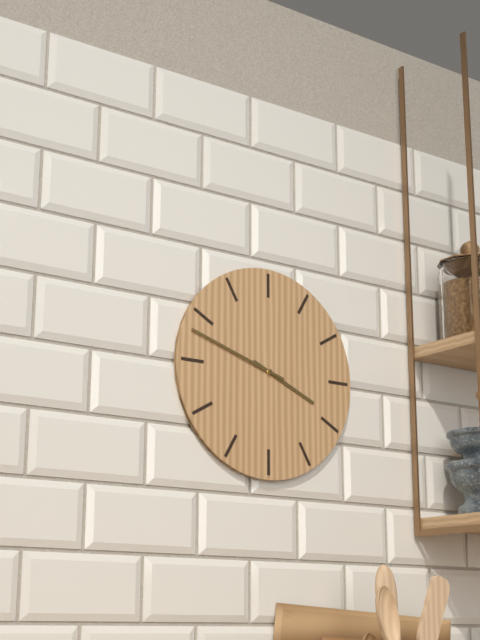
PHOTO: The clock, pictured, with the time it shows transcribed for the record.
3:48
